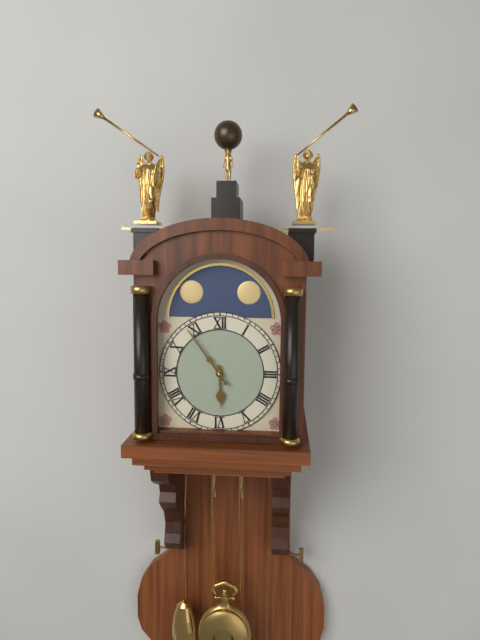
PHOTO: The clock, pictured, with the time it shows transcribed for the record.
5:54
